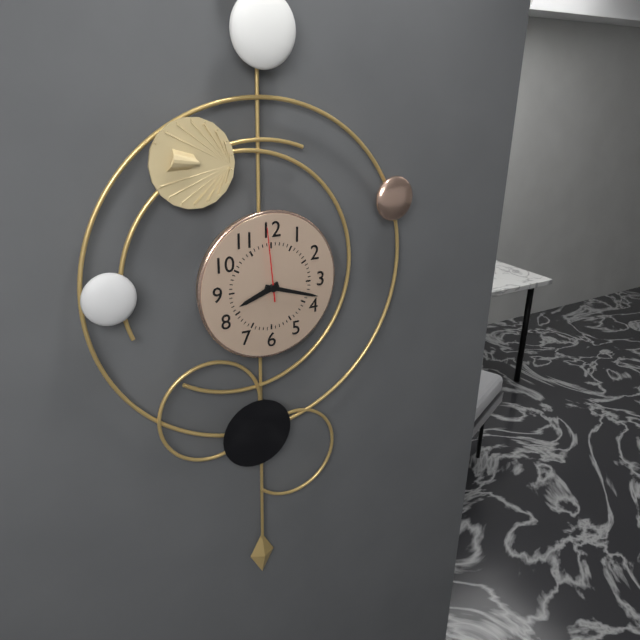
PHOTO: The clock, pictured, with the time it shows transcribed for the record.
8:18:59
